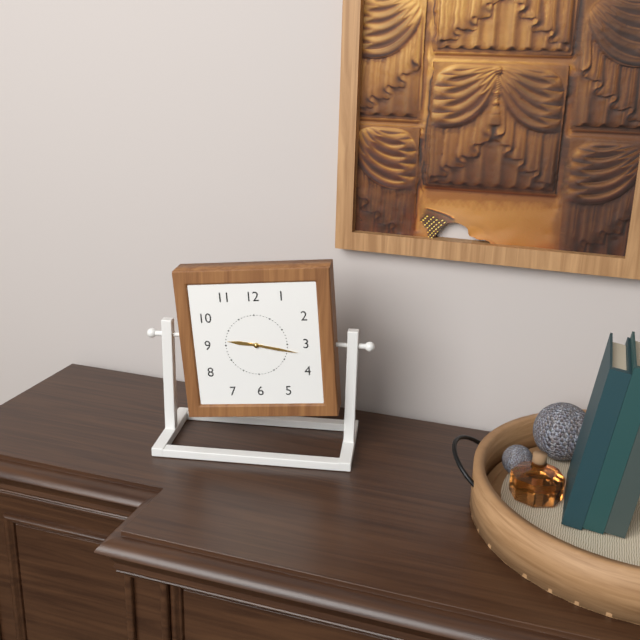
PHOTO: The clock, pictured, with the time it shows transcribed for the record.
9:17
